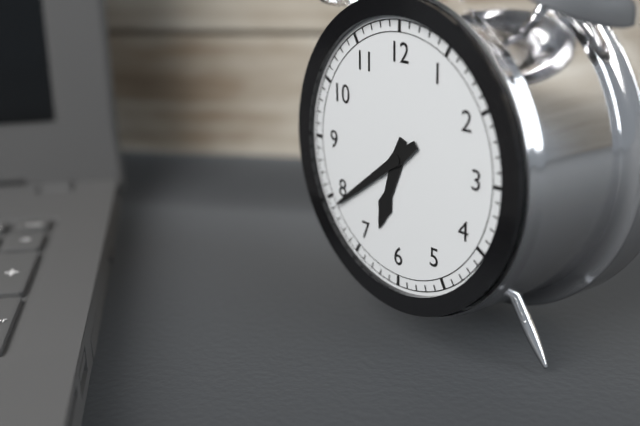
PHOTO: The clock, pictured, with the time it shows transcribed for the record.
6:39
